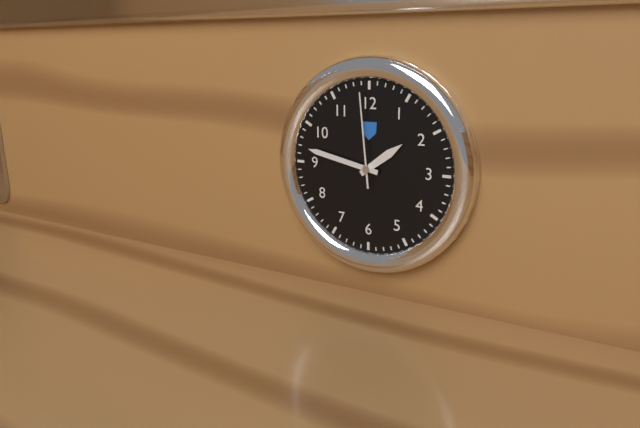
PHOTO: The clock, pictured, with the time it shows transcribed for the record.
1:47:59
